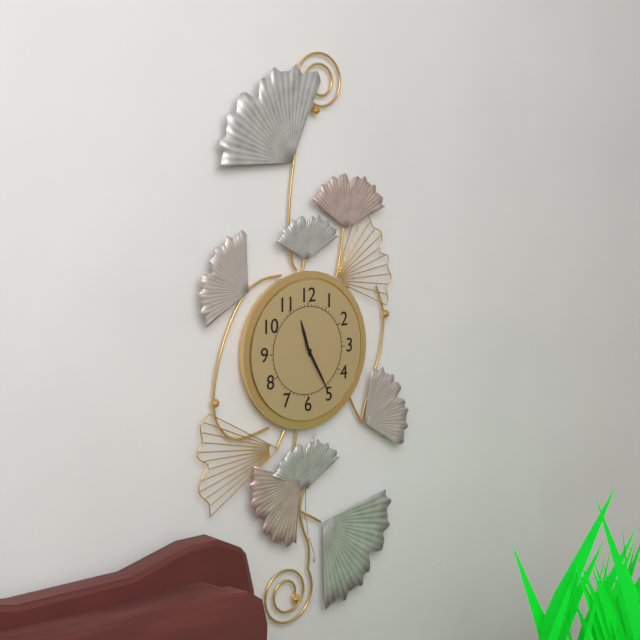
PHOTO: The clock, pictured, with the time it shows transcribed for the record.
11:25
